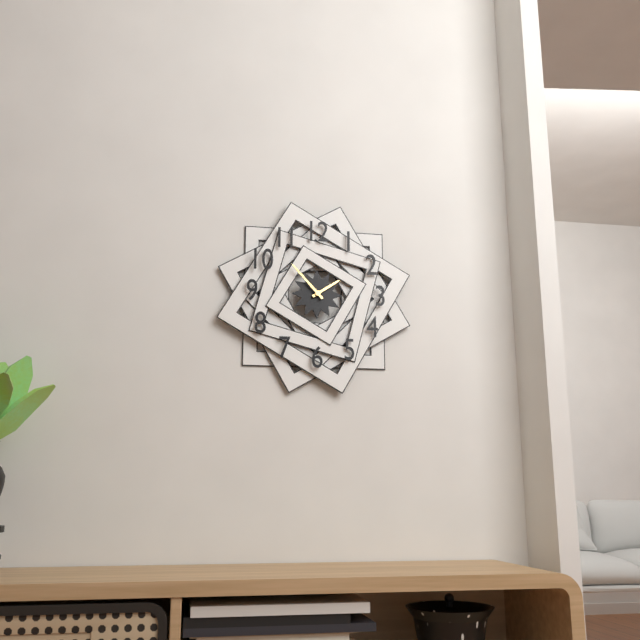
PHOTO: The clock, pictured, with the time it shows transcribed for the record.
1:53
